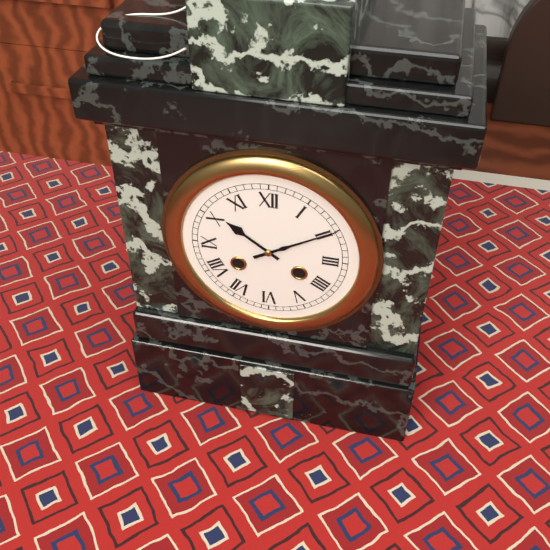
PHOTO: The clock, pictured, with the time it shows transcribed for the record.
10:10
